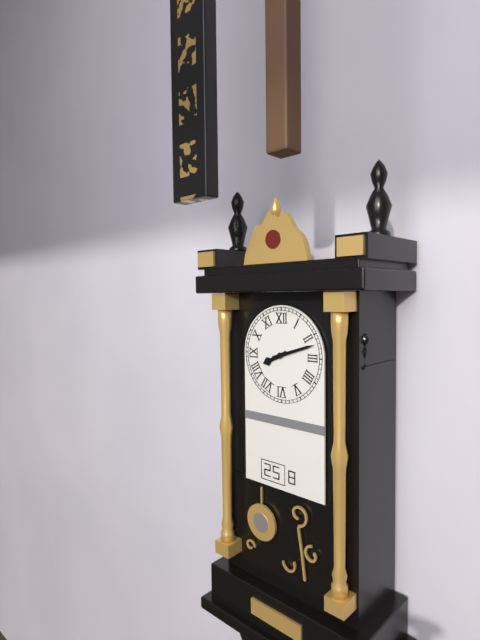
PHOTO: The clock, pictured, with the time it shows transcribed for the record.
8:12
